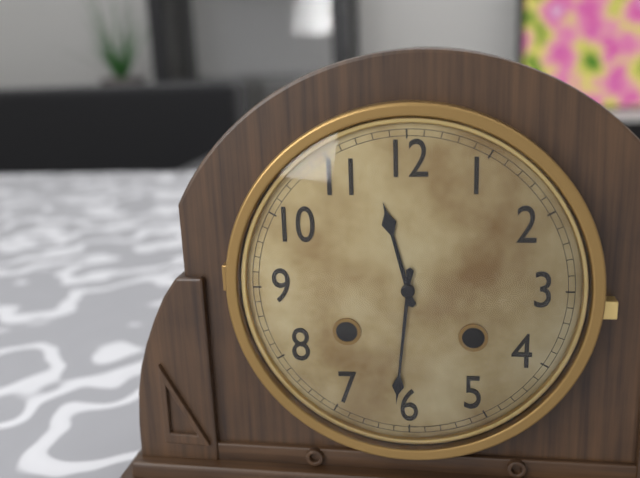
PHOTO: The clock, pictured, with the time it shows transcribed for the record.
11:31
